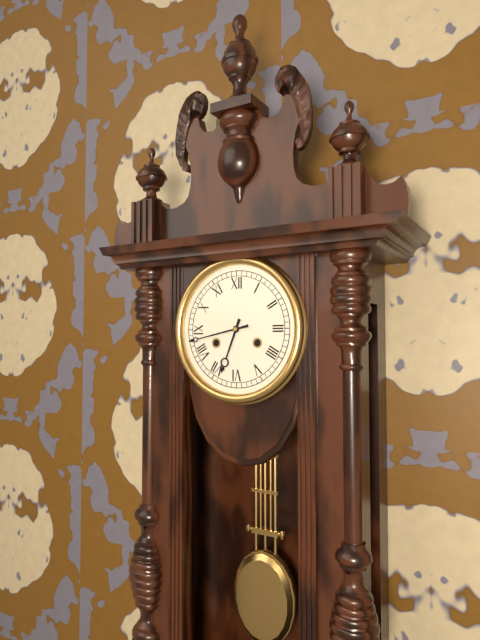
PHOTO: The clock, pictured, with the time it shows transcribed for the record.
6:43
